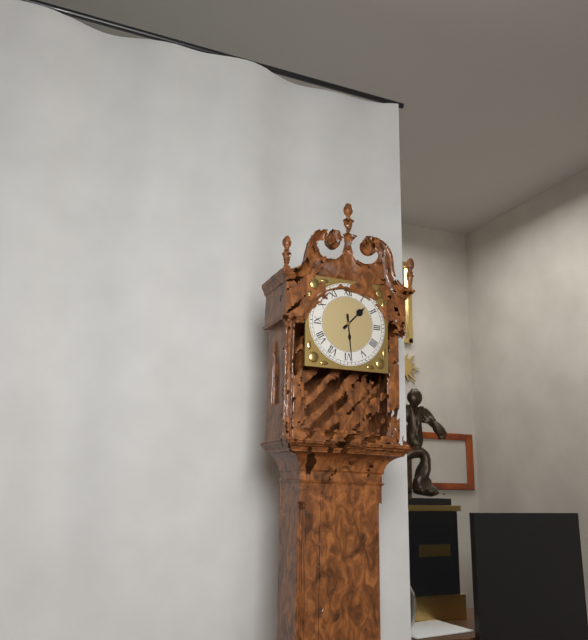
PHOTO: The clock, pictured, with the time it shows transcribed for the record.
1:29
